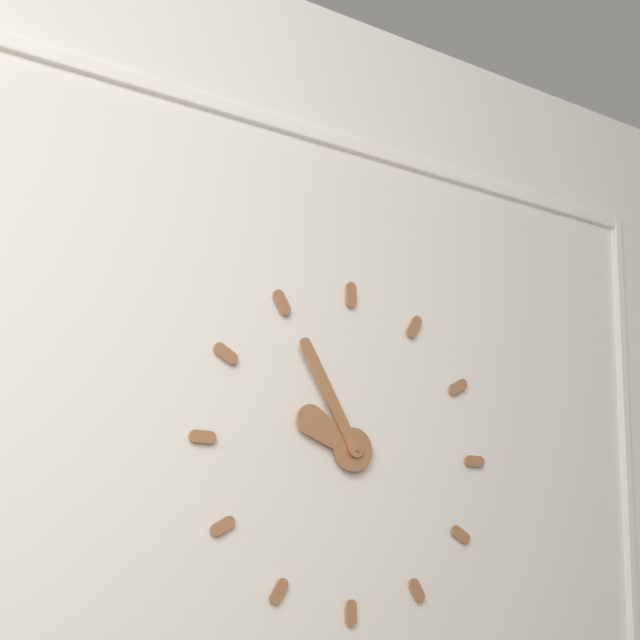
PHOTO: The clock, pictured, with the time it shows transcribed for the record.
9:55
